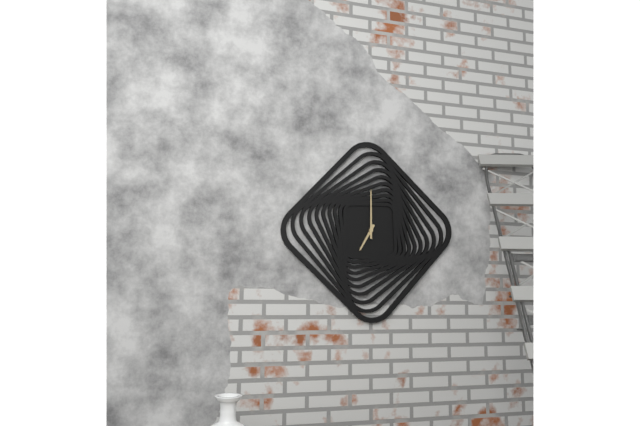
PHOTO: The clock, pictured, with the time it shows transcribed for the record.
7:00
